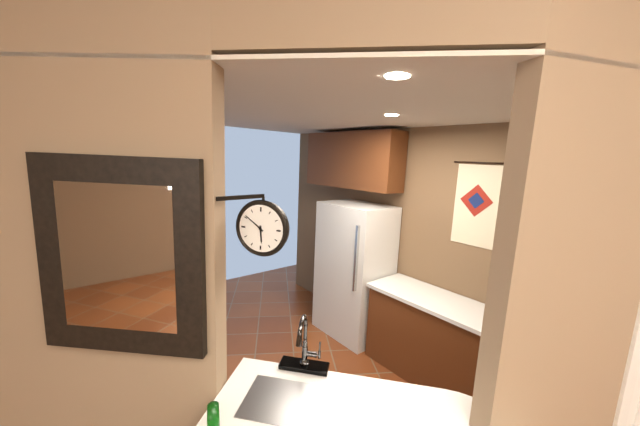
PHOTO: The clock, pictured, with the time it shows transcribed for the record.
5:51
